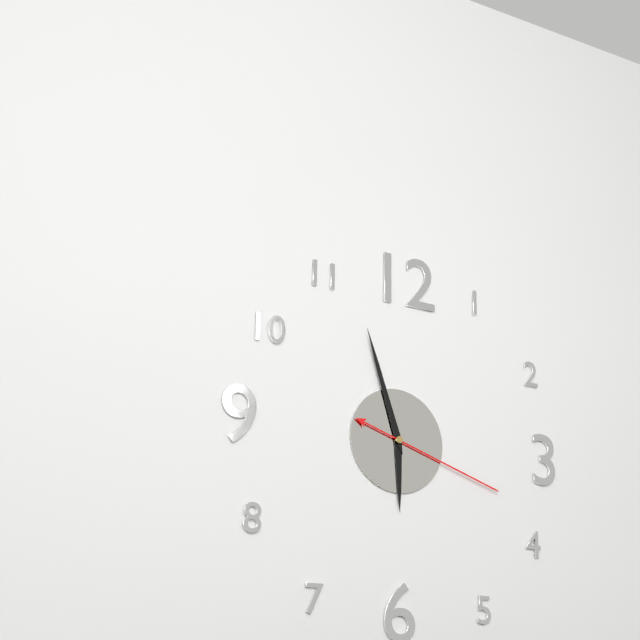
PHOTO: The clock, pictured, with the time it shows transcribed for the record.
5:57:18
